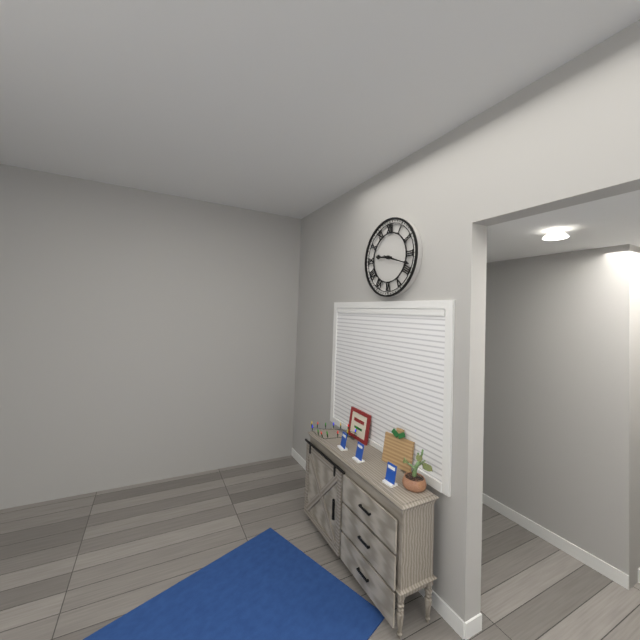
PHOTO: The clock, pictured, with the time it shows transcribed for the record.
9:18
